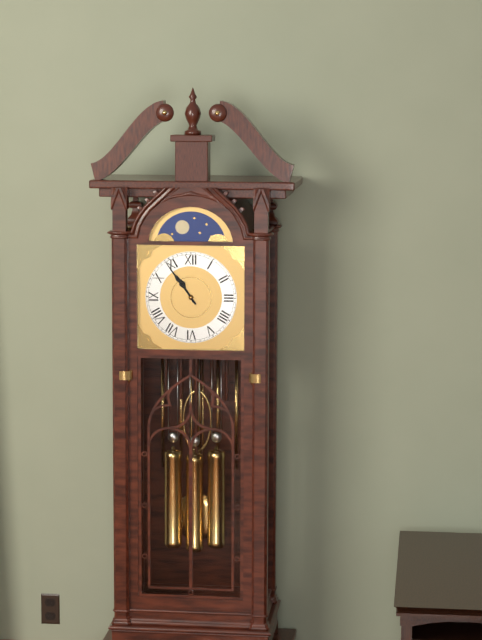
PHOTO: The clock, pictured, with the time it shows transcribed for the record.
10:54
